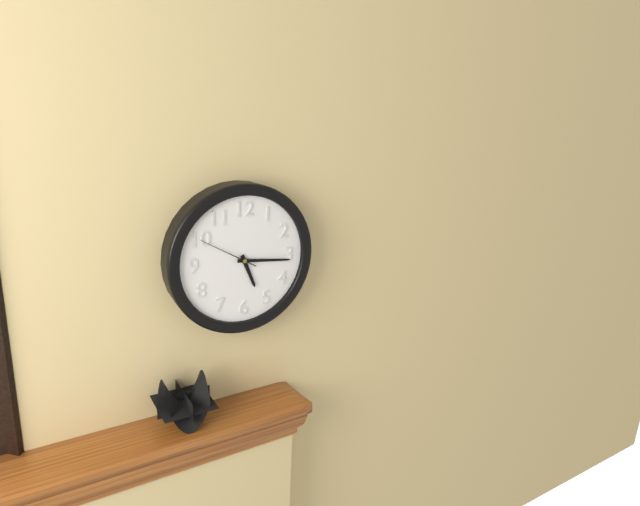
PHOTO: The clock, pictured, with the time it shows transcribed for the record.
5:16
